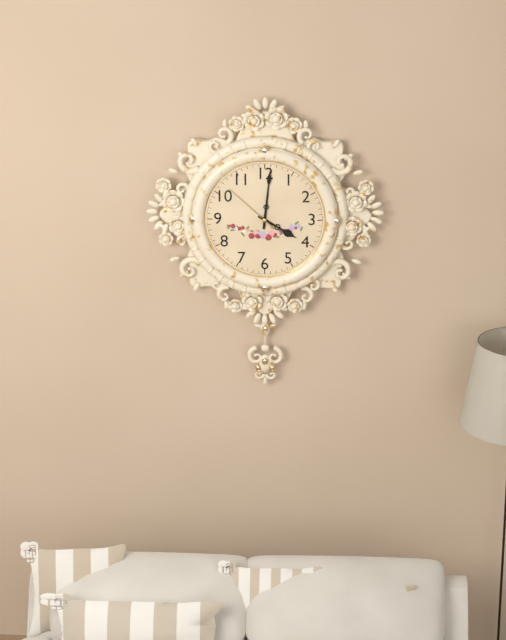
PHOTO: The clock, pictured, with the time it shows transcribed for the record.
4:01:52
